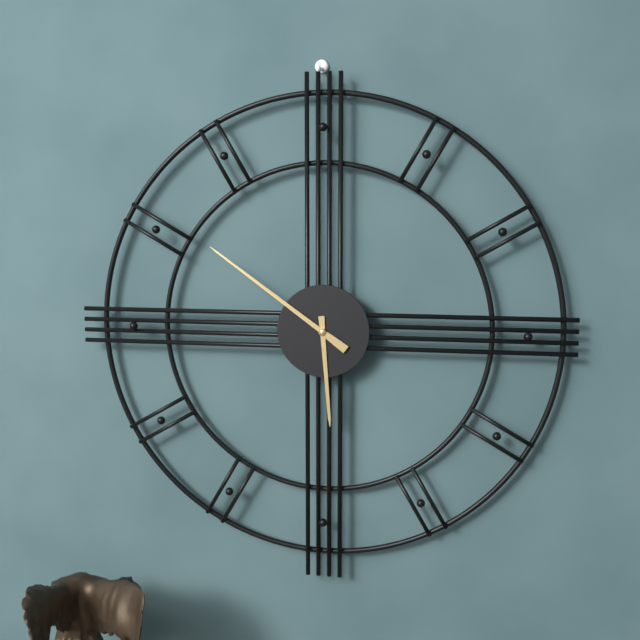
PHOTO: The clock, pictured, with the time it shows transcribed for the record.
5:51
